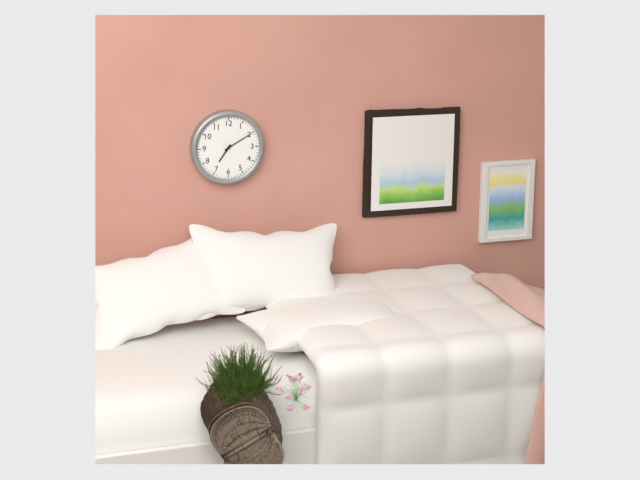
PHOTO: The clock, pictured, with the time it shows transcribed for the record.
7:10
